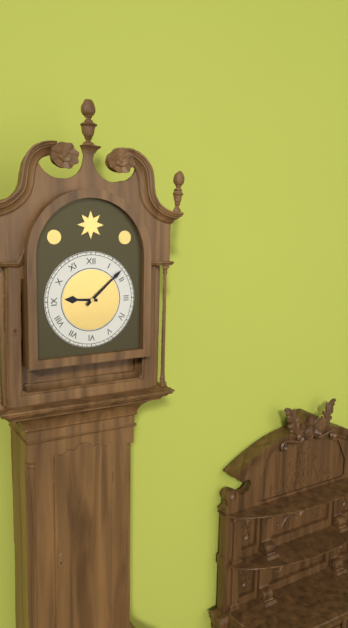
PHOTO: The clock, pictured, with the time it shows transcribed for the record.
9:08
